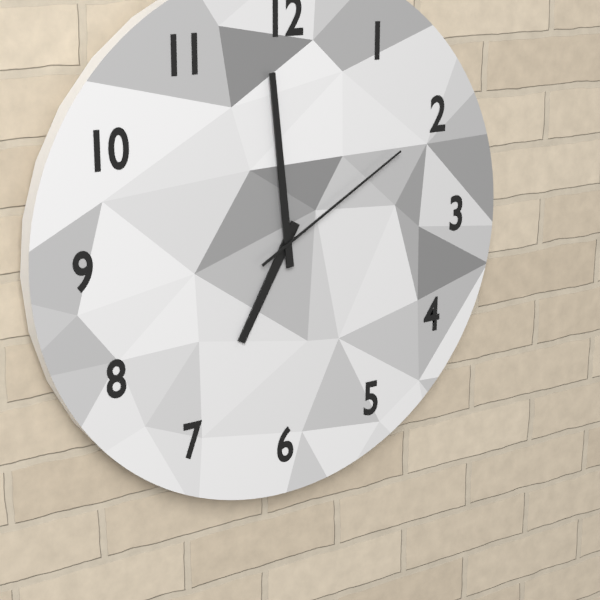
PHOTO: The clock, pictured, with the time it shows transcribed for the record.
6:59:10
